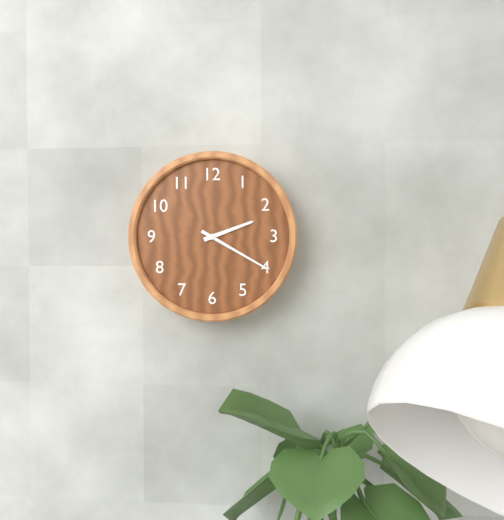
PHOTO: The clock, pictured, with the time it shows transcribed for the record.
2:20
